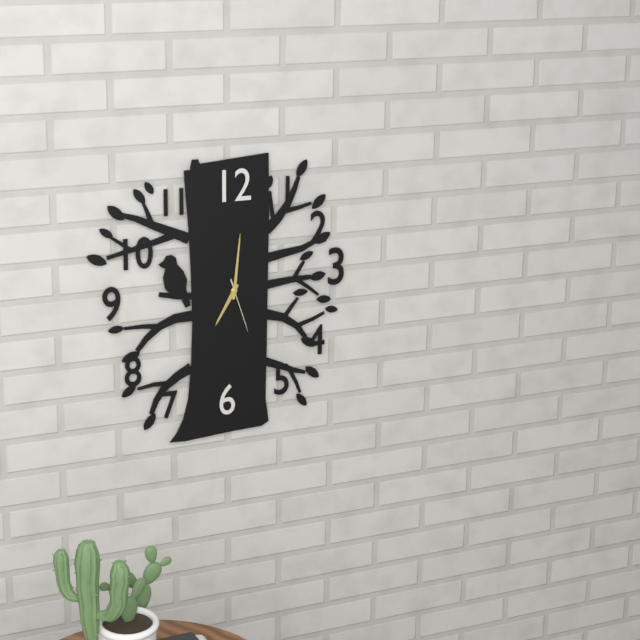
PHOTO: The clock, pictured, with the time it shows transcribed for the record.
7:01:27
